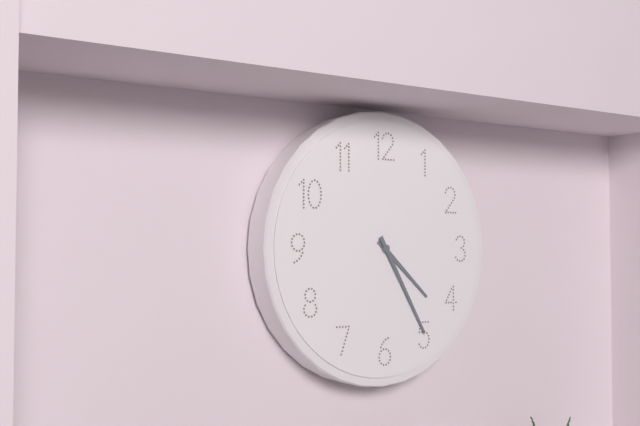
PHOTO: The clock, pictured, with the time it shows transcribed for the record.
4:25
